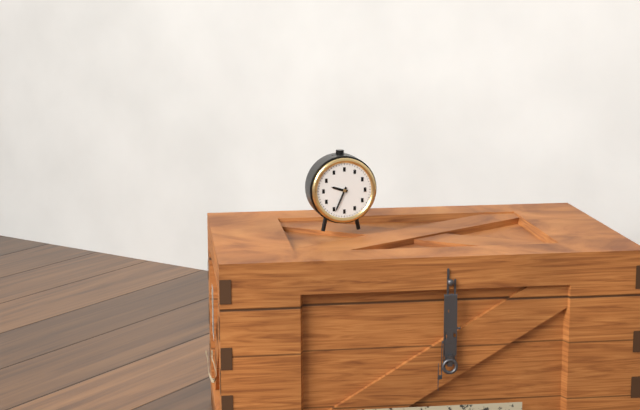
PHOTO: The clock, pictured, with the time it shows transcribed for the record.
9:34
